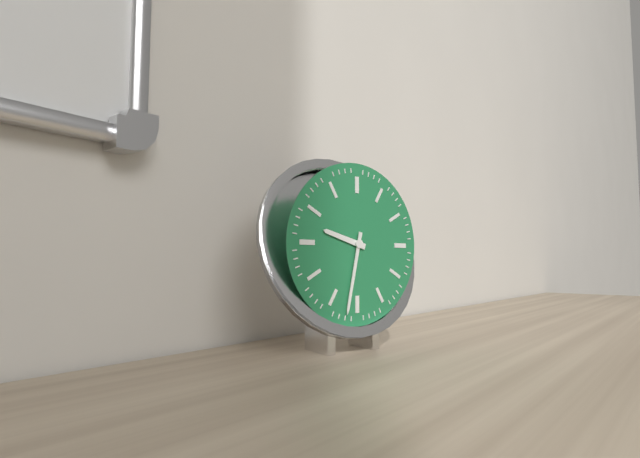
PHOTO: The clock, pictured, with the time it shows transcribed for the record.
9:32
